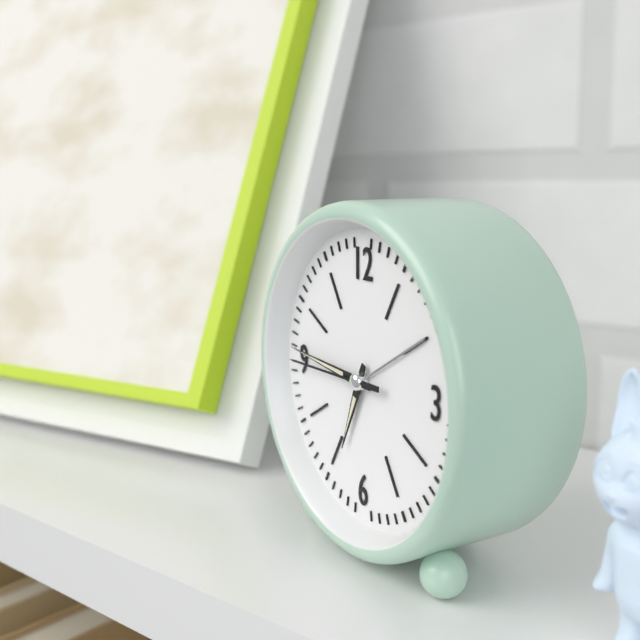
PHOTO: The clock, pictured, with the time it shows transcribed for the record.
6:46:45
